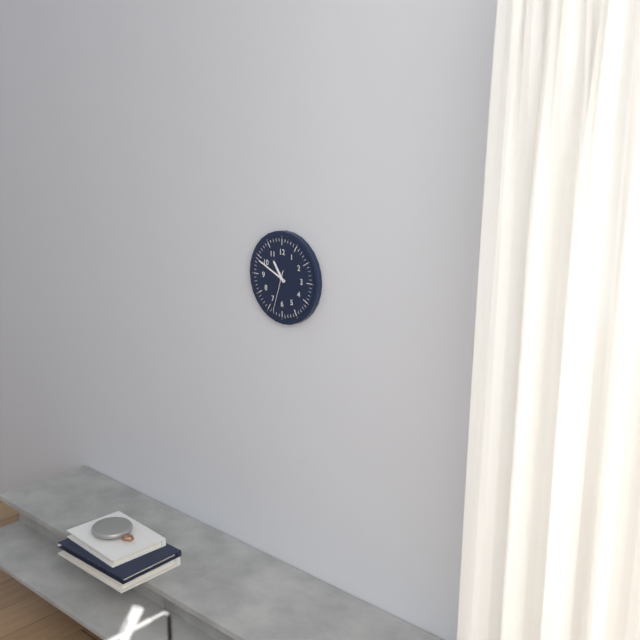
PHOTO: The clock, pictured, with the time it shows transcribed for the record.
10:49
